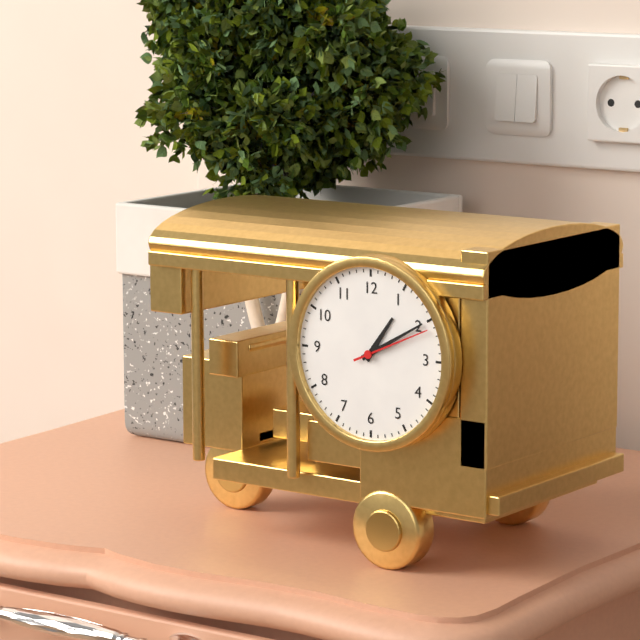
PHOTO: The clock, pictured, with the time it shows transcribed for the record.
1:10:11
